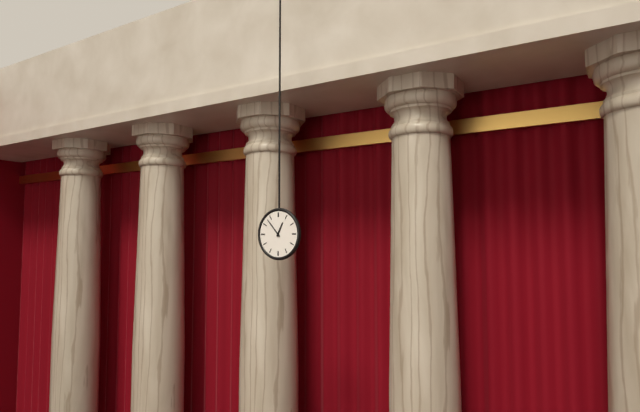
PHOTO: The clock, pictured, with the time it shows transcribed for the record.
12:53
